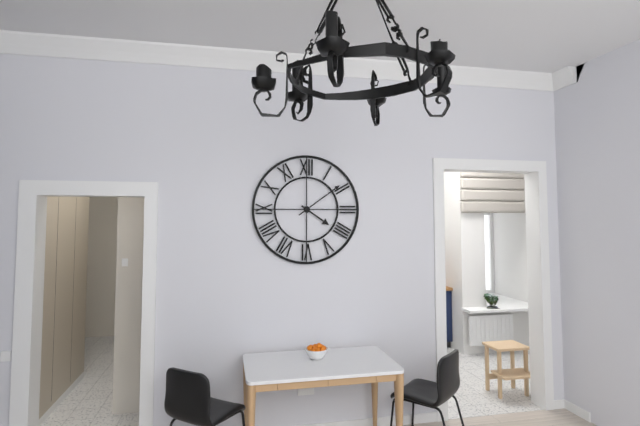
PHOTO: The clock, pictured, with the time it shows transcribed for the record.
4:09
